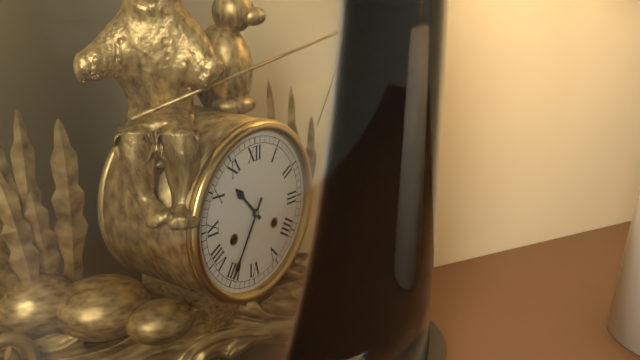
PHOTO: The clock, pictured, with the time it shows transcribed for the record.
10:35
